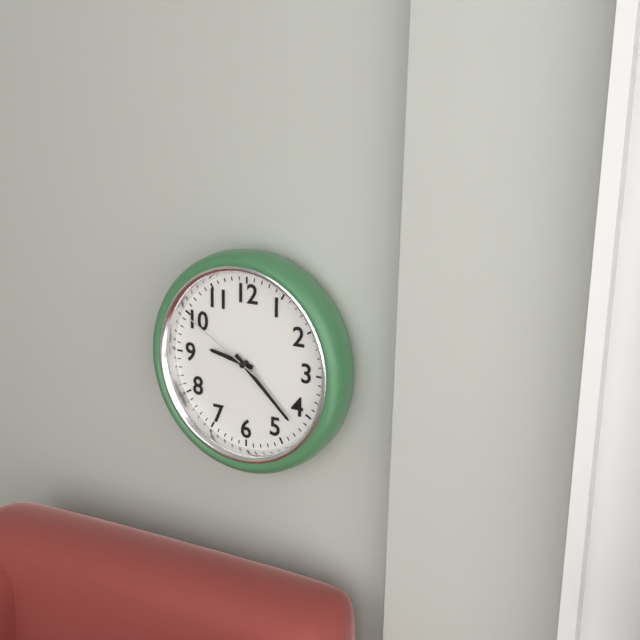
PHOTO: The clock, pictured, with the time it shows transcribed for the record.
9:22:50
